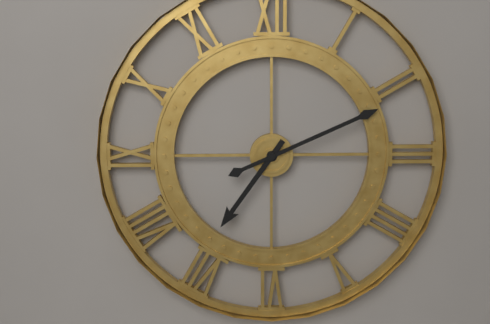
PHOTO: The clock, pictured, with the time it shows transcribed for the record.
7:11
